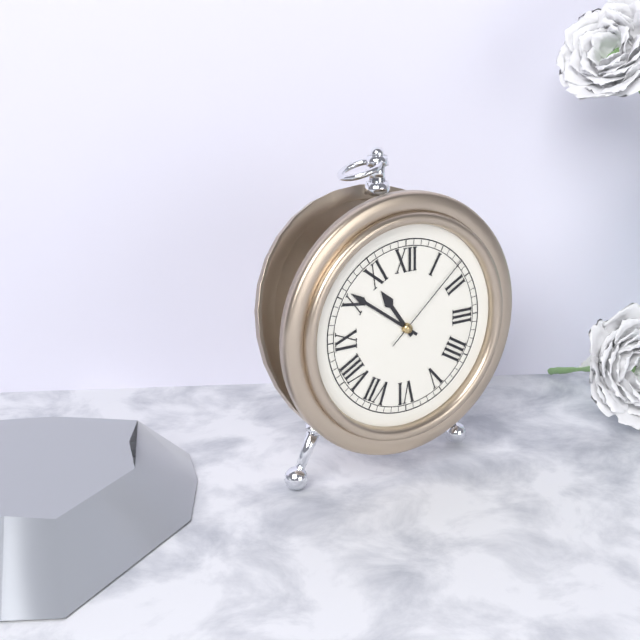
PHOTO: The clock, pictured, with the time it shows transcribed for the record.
10:51:08
